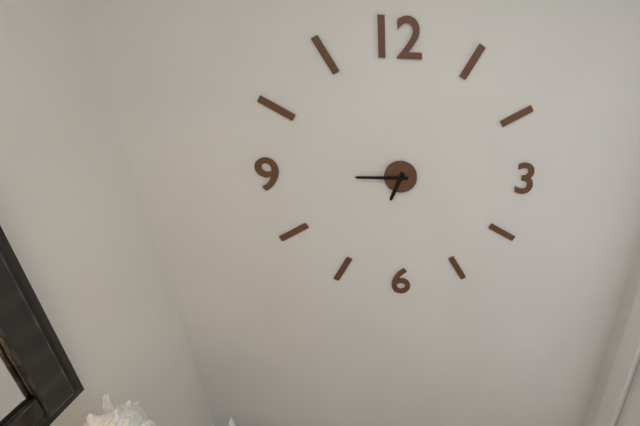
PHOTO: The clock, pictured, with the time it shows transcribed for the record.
6:45
